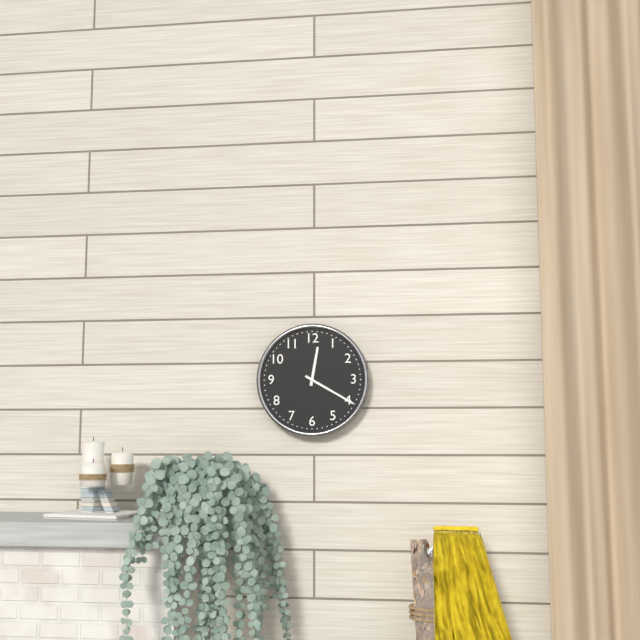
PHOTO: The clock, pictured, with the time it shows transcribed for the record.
12:20
